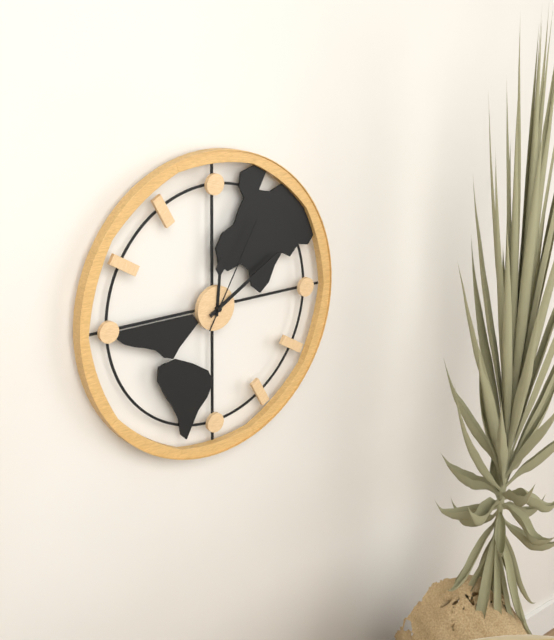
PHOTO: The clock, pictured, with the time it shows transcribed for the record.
12:10:05
